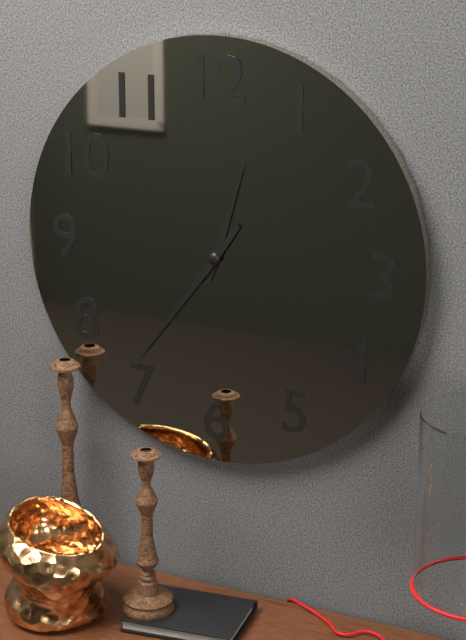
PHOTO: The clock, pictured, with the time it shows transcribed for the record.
12:36
